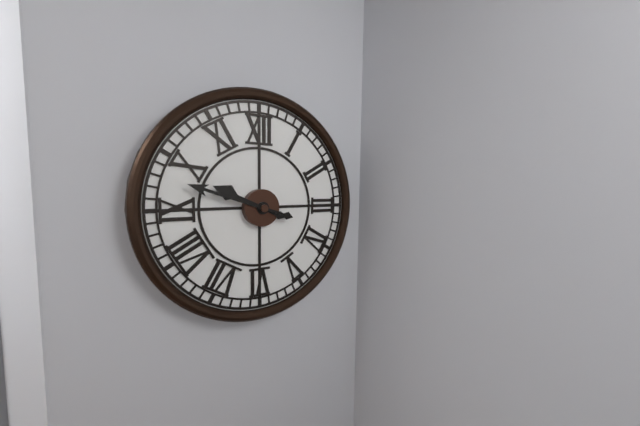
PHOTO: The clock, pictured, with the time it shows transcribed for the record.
9:48
